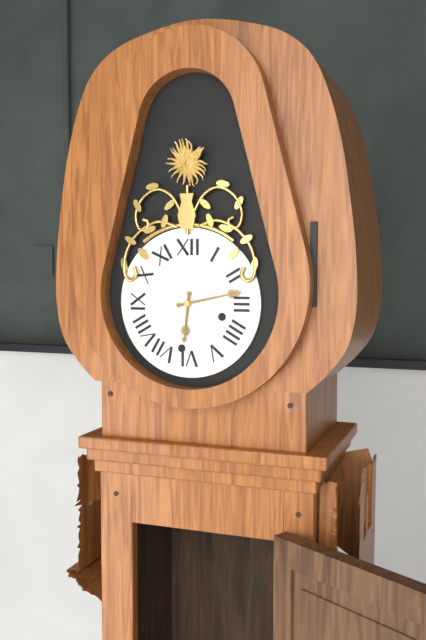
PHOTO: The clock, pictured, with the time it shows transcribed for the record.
6:13
